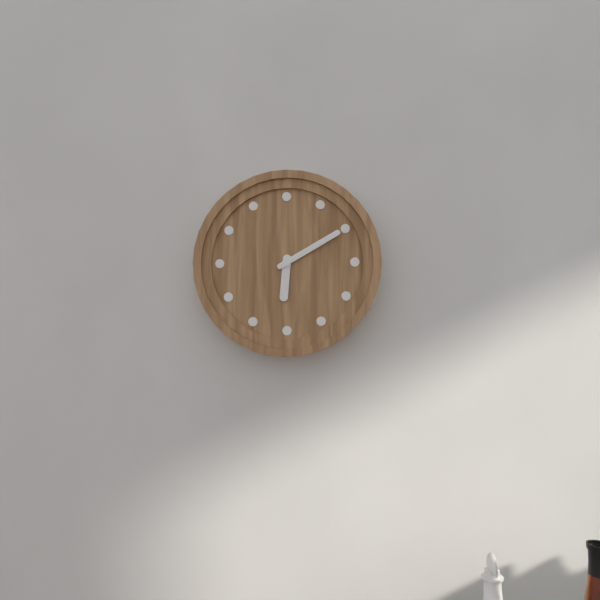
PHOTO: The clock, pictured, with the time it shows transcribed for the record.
6:10
